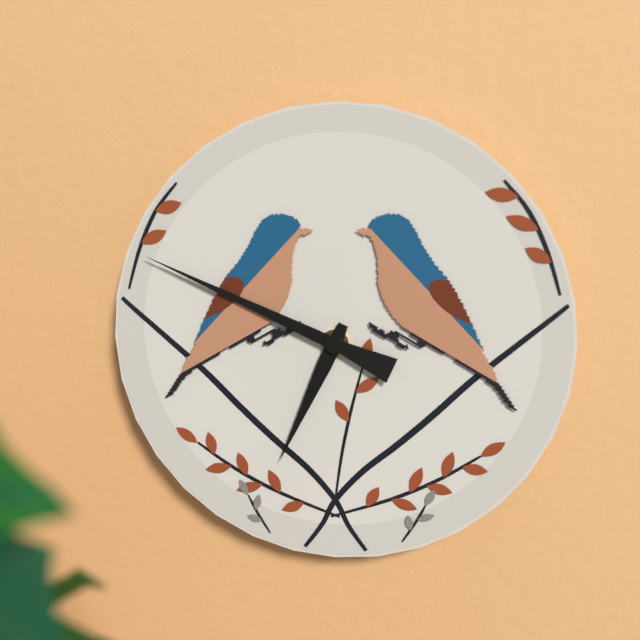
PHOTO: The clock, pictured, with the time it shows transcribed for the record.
6:49
